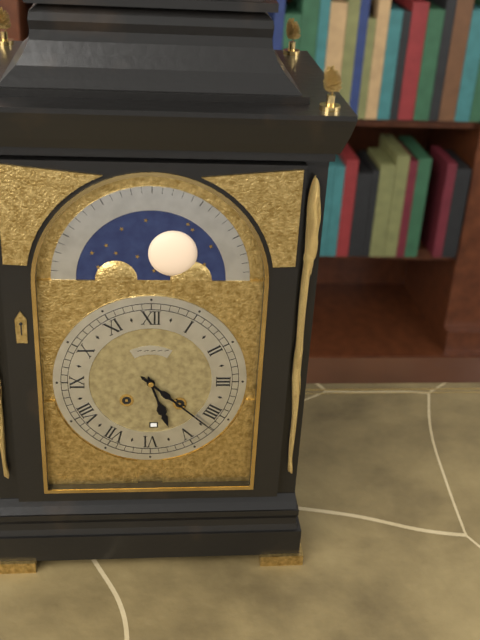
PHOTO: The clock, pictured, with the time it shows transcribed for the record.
5:22
